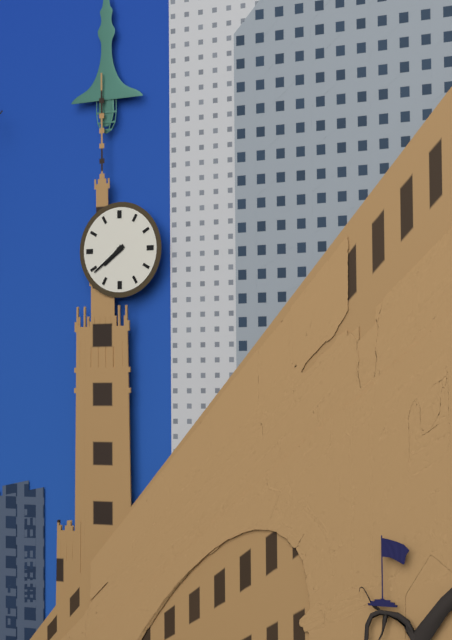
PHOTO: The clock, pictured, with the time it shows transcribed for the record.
7:39
